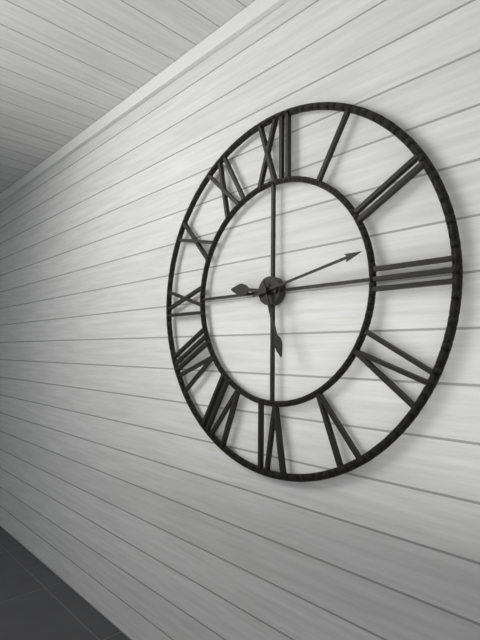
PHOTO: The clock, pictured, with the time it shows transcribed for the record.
9:13:27
